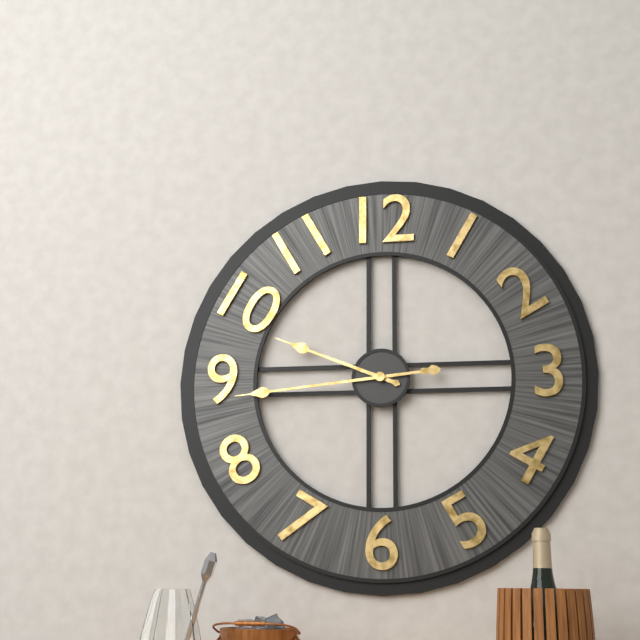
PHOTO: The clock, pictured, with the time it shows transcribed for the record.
9:44
